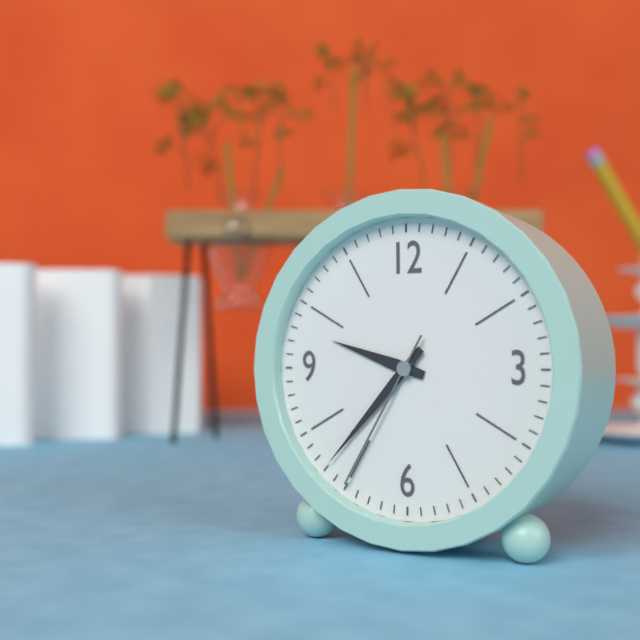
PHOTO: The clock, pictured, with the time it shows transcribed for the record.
9:37:35
